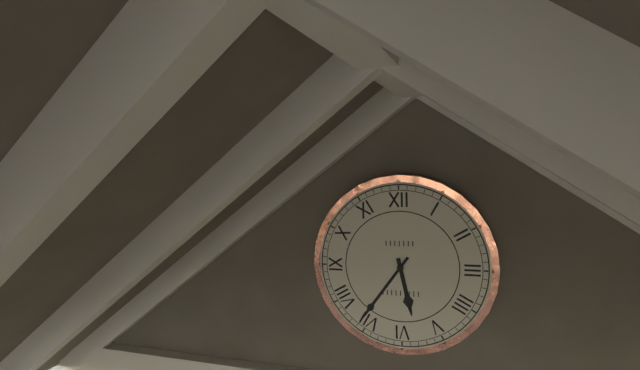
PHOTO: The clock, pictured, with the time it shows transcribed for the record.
5:36
